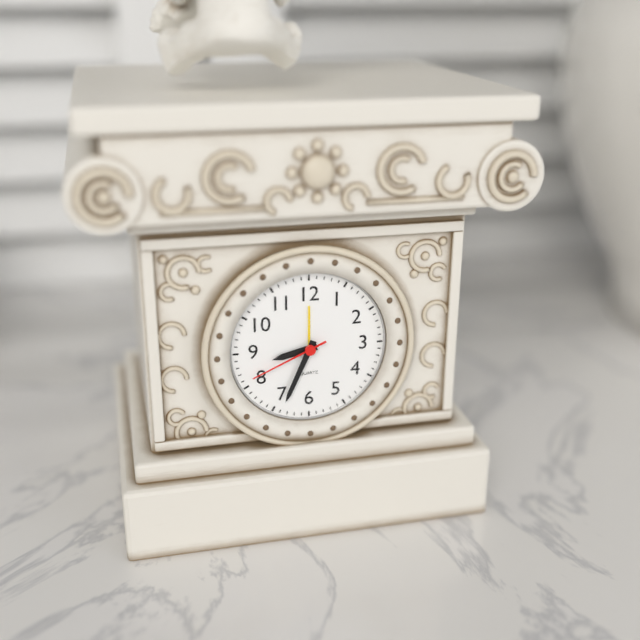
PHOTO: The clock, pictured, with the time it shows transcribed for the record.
8:34:41
